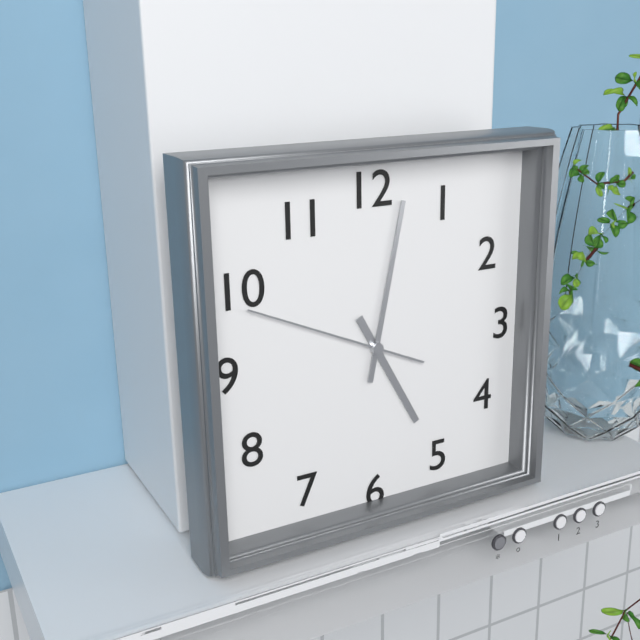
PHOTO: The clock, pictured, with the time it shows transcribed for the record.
5:02:49
